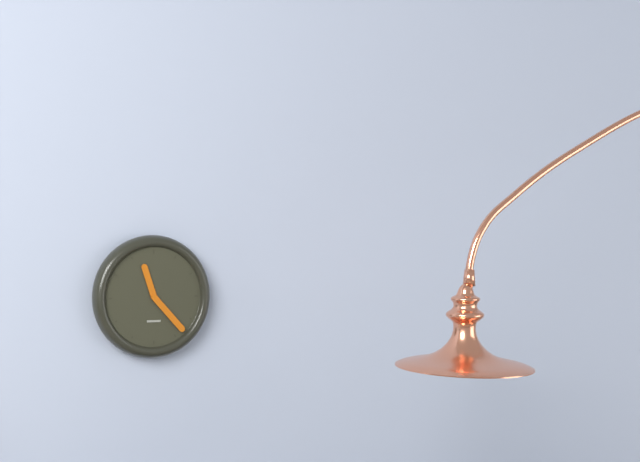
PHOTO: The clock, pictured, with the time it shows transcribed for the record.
11:23
